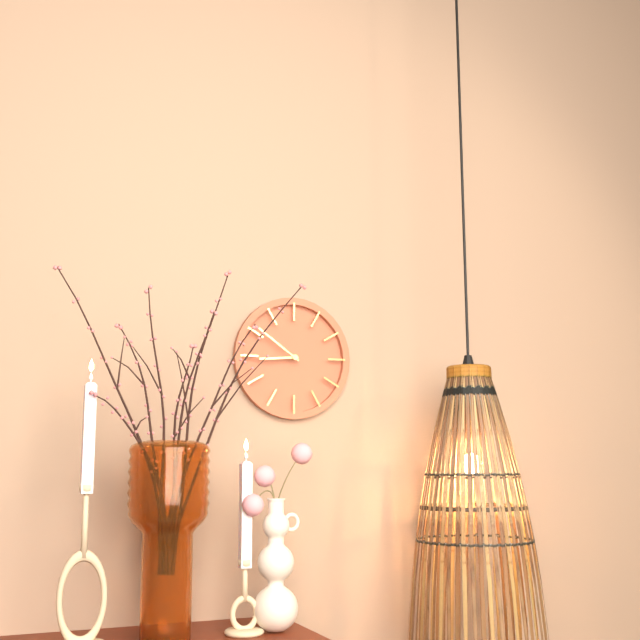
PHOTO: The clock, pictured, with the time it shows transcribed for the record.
8:51
